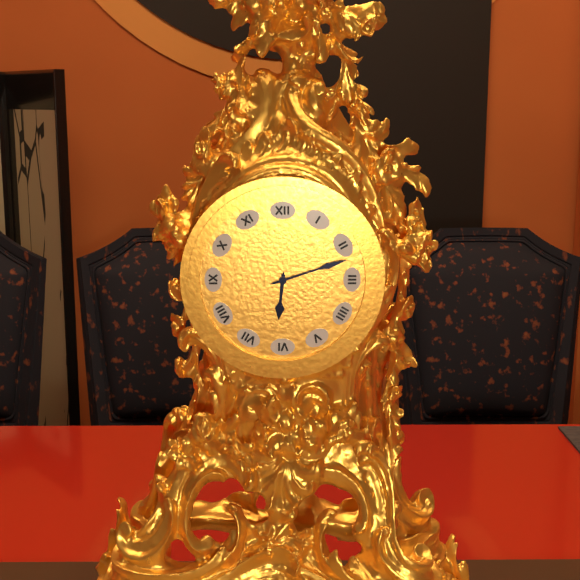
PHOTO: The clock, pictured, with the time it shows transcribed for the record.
6:12
